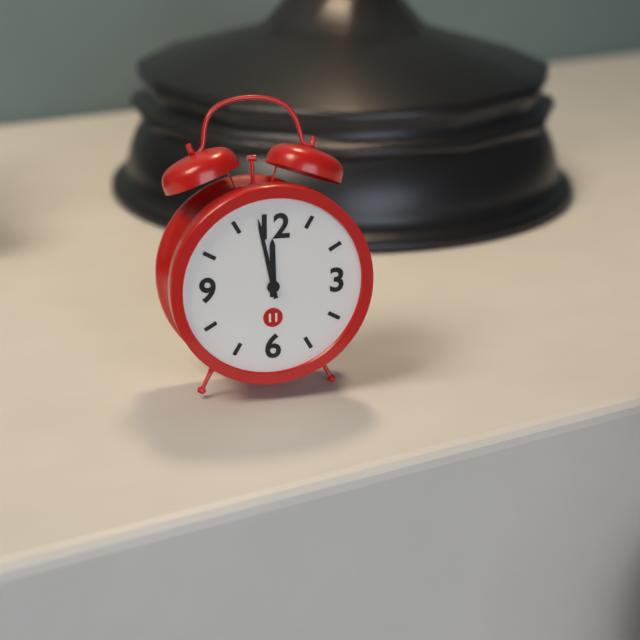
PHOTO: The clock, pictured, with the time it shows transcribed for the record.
11:58
